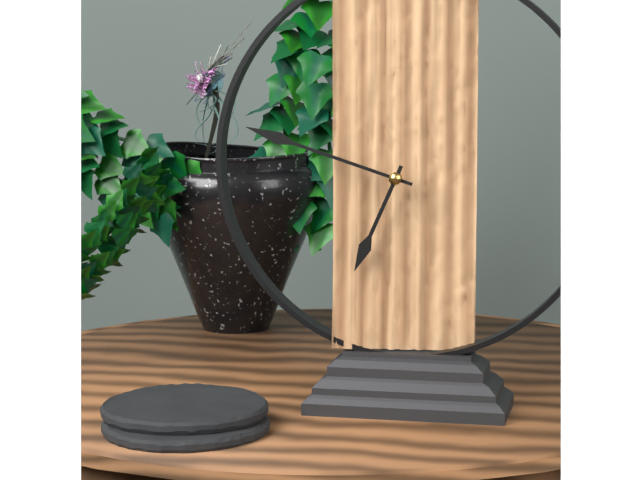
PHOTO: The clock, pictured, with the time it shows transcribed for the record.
6:48
